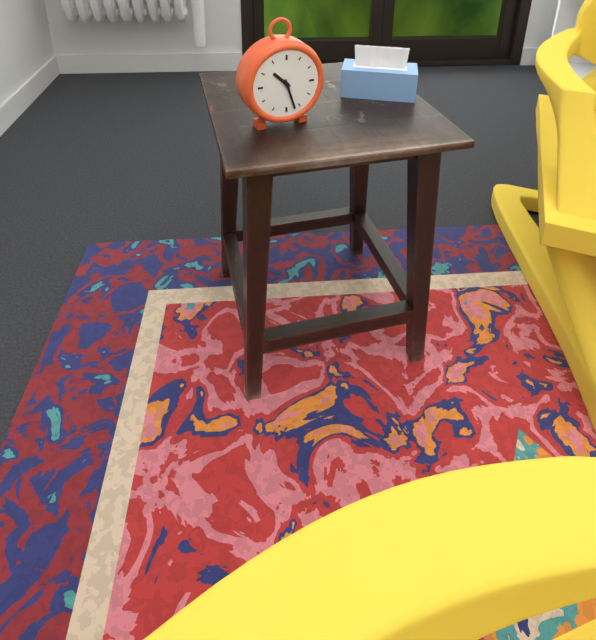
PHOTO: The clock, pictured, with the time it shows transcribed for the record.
10:27
